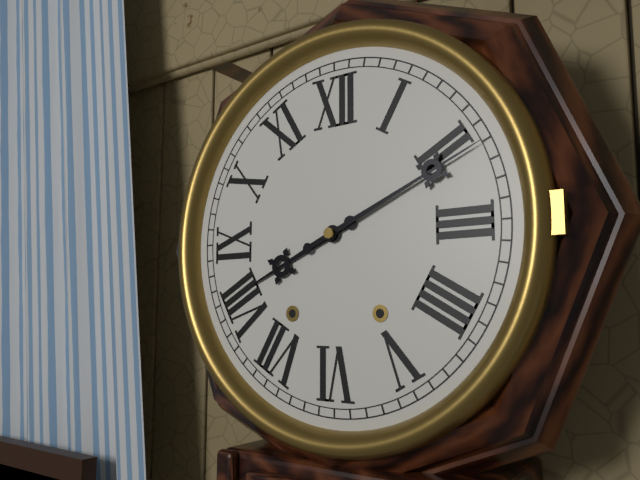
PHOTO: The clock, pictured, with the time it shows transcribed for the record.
8:11
